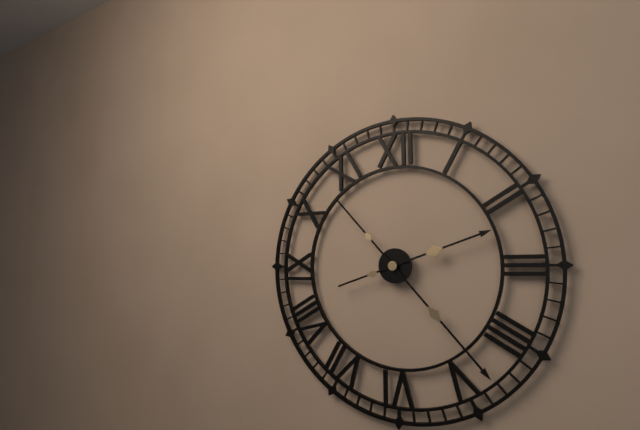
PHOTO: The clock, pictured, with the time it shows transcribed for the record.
2:23
